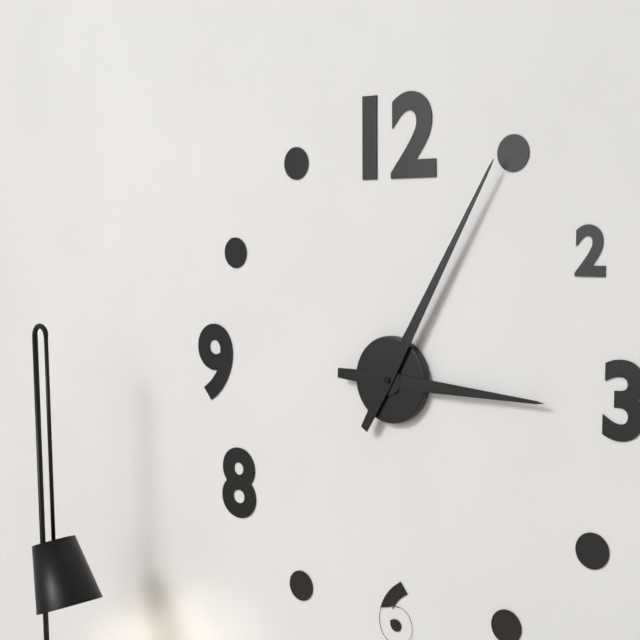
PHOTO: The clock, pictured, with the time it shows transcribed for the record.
3:05
